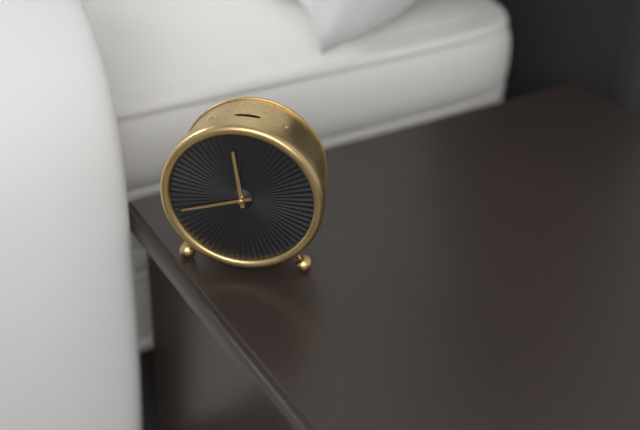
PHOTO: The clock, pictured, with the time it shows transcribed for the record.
11:42
